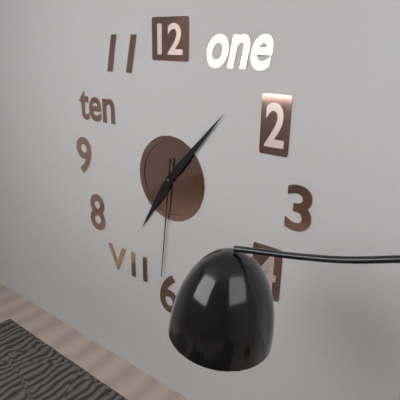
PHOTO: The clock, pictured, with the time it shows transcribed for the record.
7:07:31
